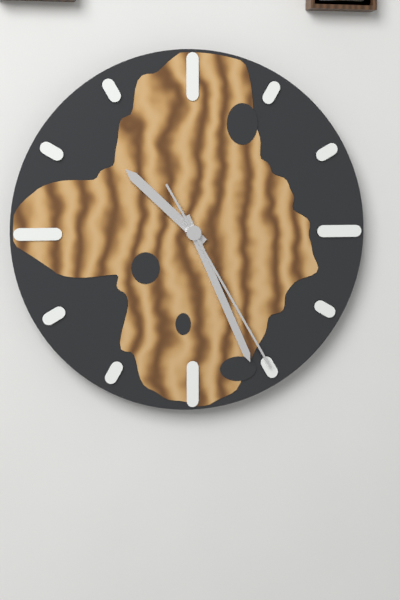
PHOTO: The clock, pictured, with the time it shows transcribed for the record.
10:26:25
